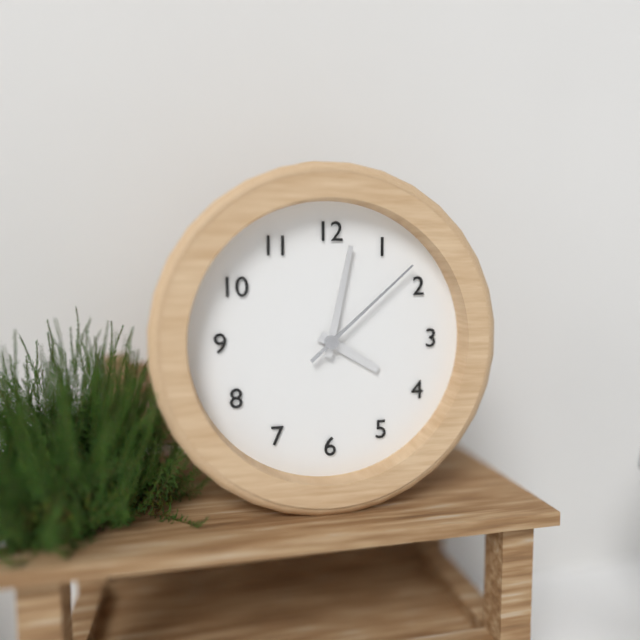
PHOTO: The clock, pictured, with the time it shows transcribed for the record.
4:02:08
